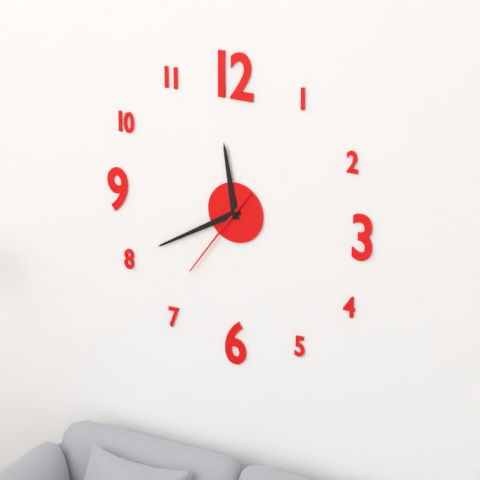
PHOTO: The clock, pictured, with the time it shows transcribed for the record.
11:40:36
